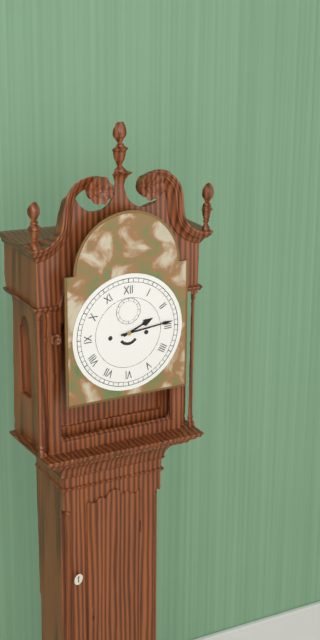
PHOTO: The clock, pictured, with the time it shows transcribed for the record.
2:14
